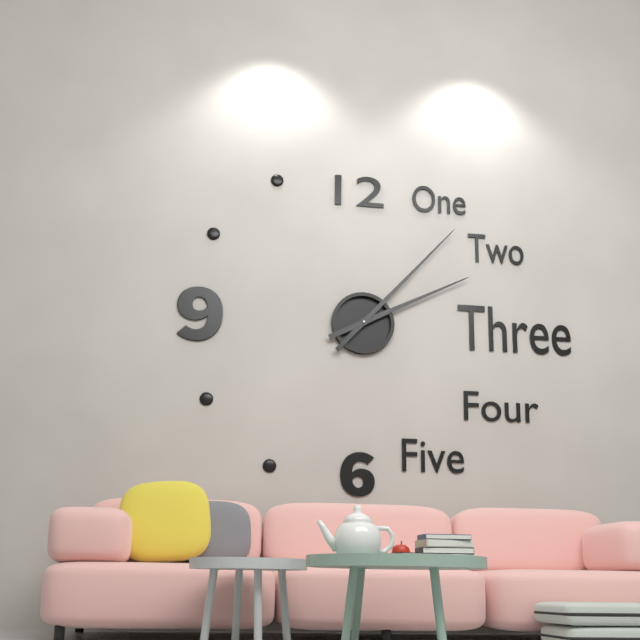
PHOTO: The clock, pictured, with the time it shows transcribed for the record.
2:07
